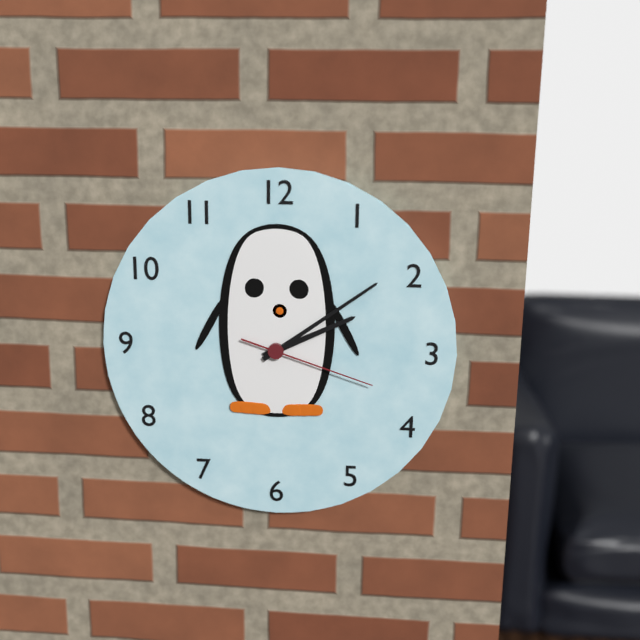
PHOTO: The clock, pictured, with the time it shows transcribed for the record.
2:09:18
